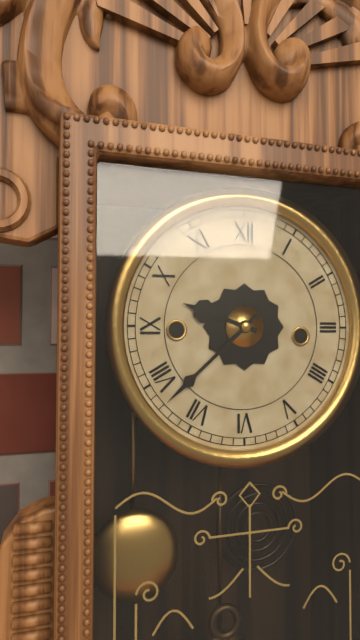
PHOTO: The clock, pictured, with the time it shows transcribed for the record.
9:38
